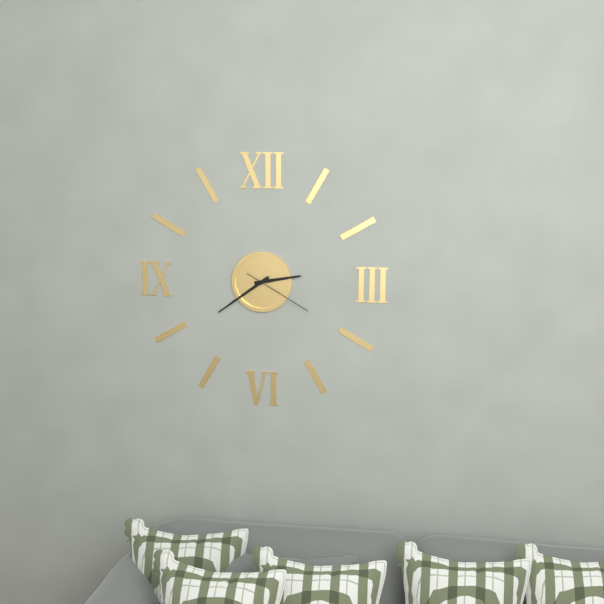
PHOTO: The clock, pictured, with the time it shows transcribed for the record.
2:39:20
